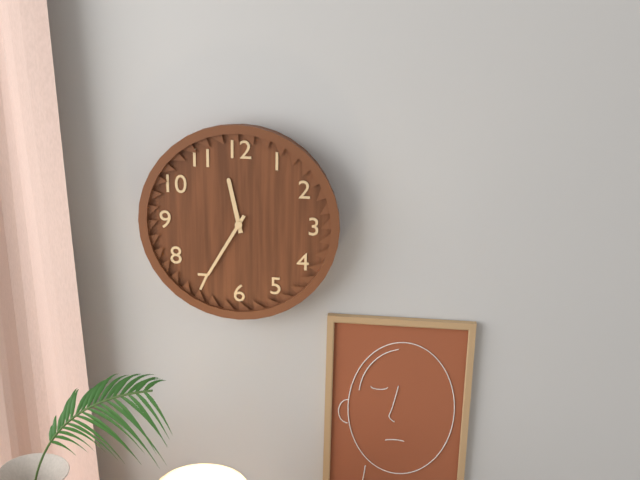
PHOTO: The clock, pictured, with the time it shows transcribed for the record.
11:35
